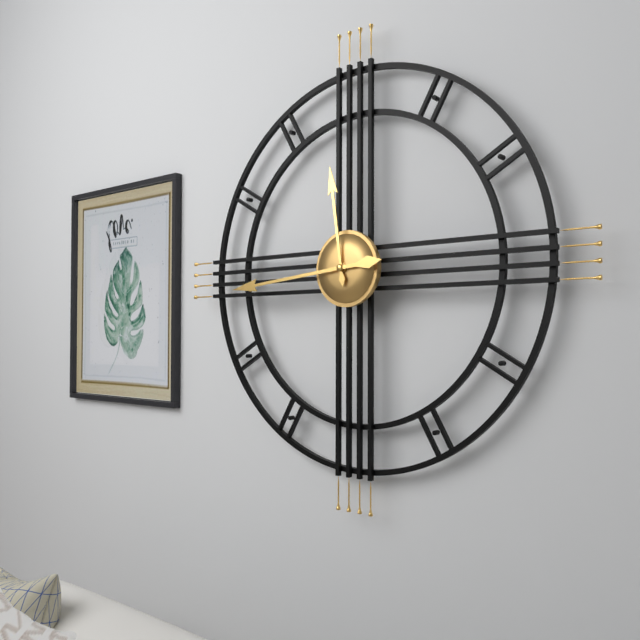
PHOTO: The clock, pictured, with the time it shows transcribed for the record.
11:44
